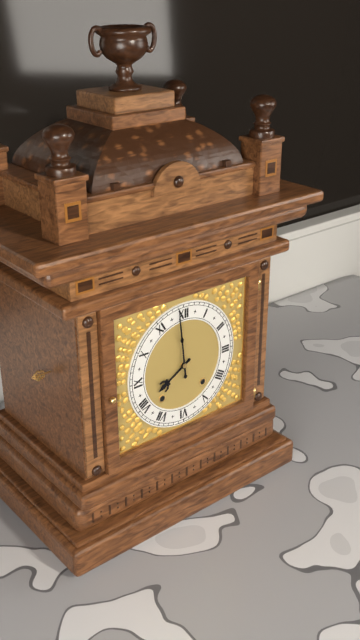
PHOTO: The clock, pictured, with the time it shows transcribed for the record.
7:59
